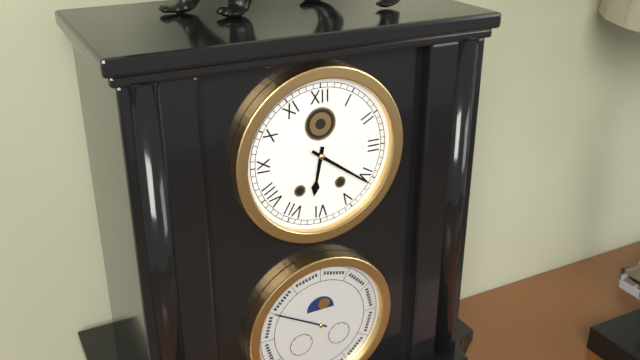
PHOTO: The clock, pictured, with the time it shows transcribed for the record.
6:21
